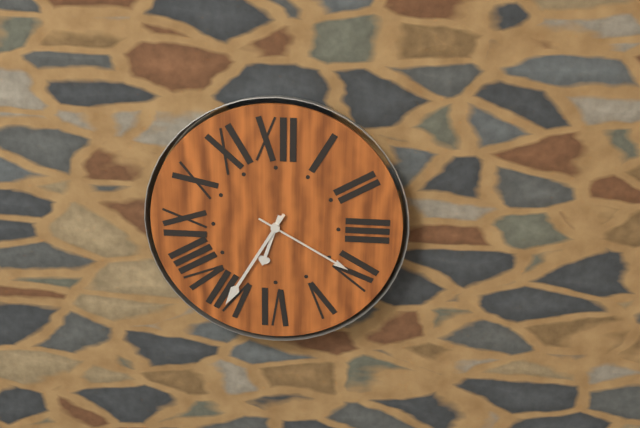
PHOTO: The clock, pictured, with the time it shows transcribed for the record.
6:35:20
